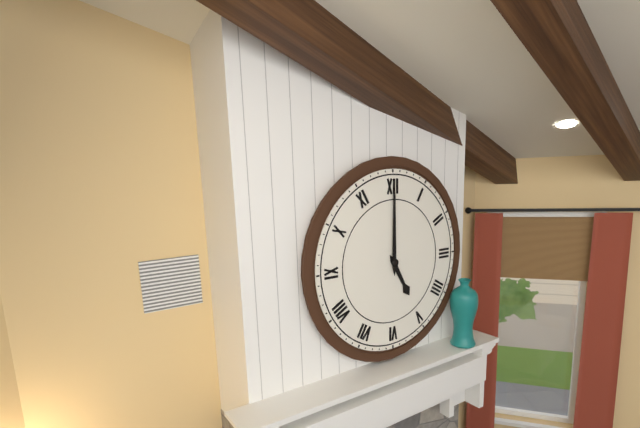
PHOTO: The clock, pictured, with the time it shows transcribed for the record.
5:00
